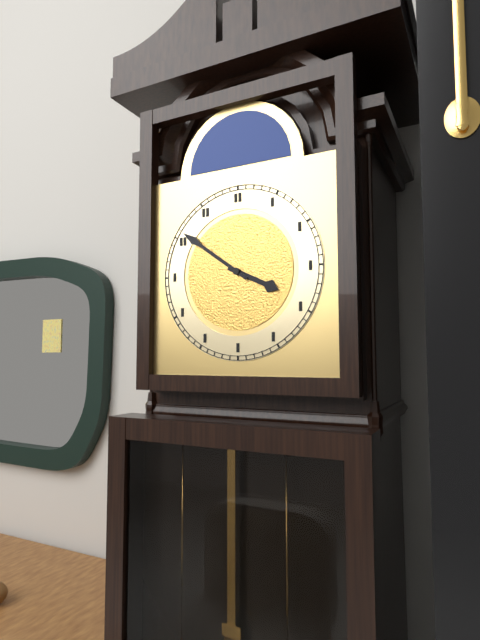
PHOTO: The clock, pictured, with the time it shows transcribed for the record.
3:51
